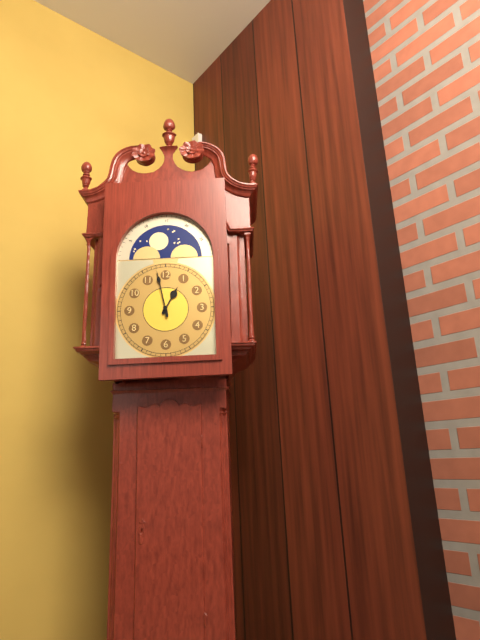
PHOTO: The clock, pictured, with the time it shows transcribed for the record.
12:58
